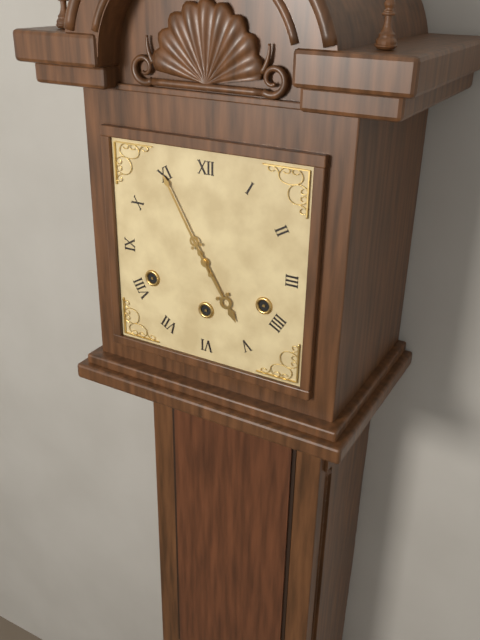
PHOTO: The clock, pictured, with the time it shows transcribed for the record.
4:55
